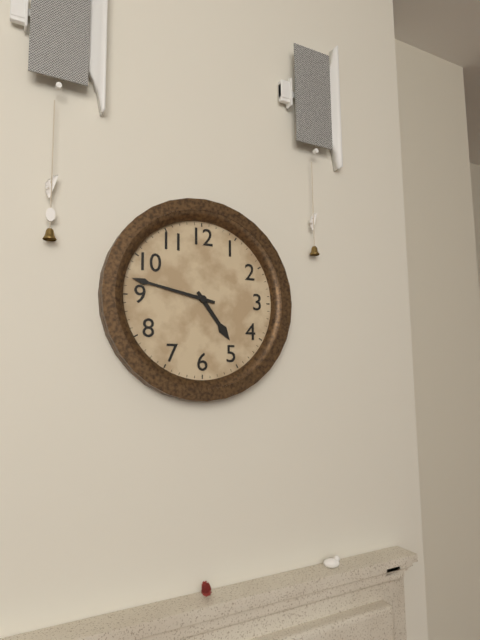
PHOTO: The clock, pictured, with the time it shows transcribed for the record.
4:47
